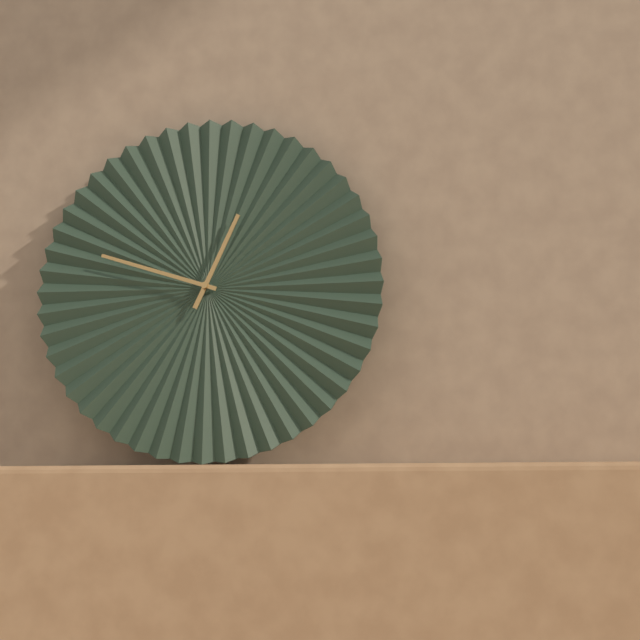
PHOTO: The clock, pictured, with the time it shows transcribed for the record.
12:48
